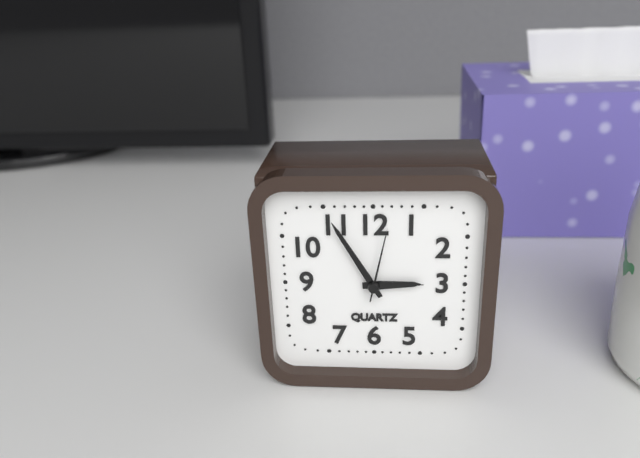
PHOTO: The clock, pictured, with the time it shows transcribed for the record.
2:55:02
